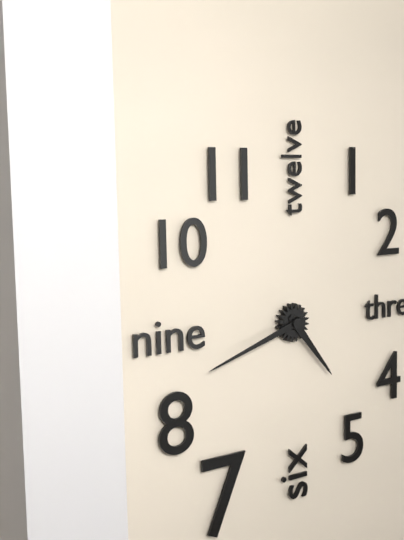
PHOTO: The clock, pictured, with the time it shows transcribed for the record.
4:42
